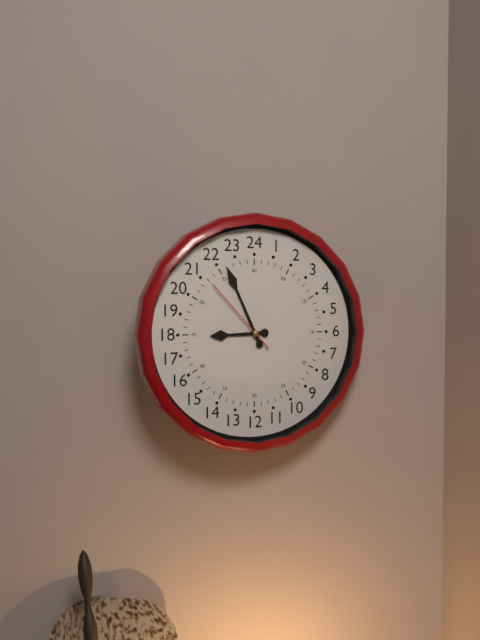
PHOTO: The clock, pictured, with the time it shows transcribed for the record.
8:56:53
